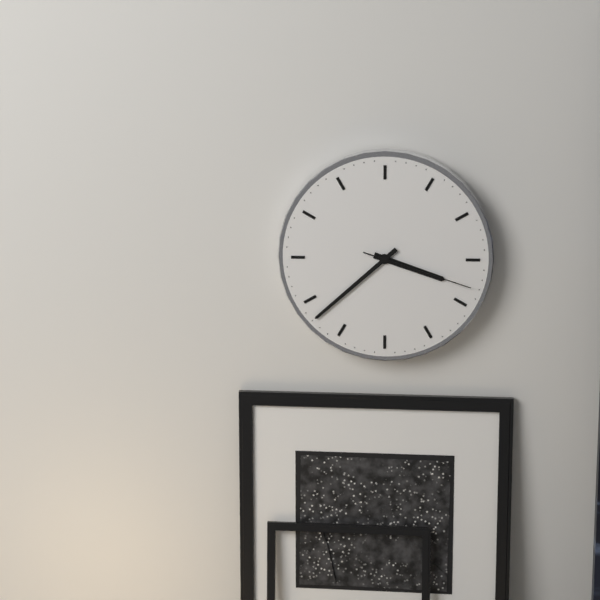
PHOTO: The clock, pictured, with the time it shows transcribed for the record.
3:38:18
